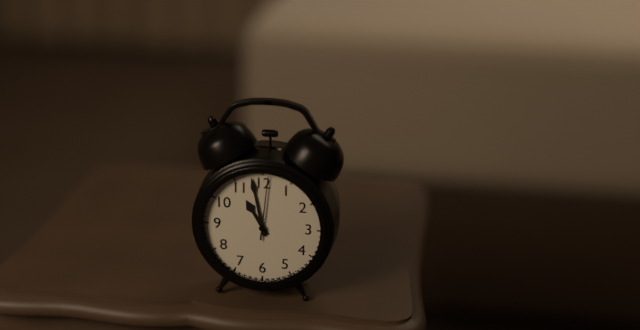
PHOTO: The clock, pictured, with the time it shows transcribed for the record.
10:58:01
